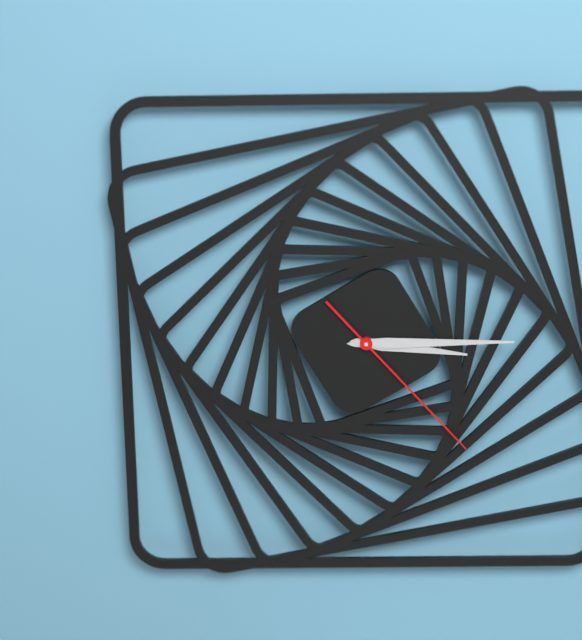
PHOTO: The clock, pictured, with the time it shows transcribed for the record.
3:15:23
